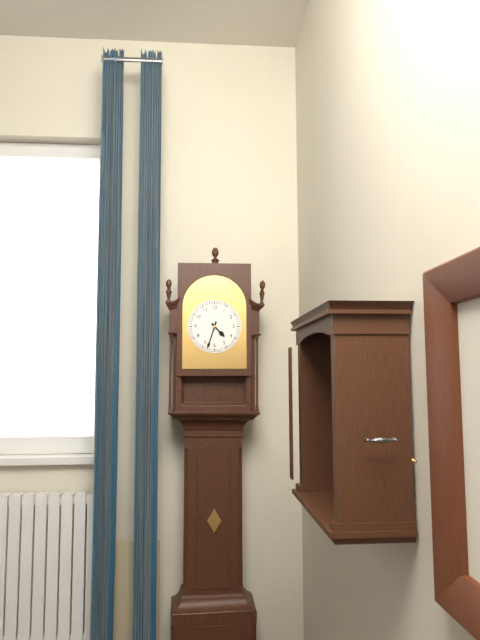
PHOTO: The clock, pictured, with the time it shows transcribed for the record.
4:33
